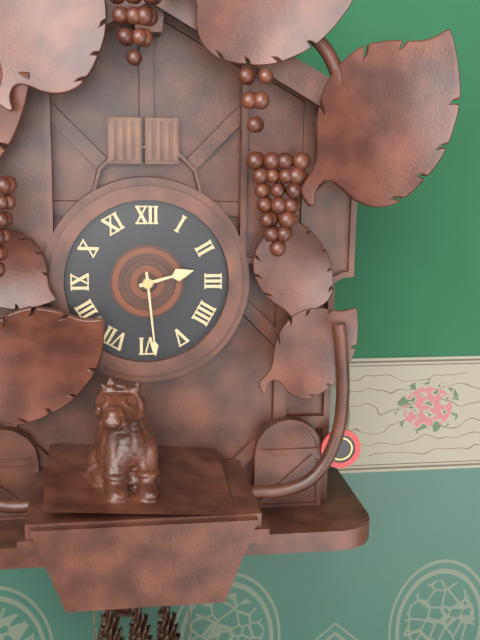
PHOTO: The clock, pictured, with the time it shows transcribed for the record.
2:29
